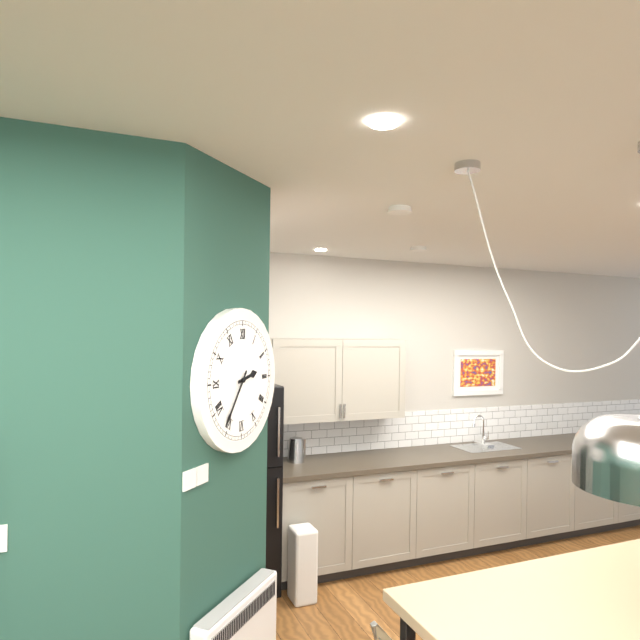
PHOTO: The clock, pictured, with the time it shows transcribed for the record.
2:36
